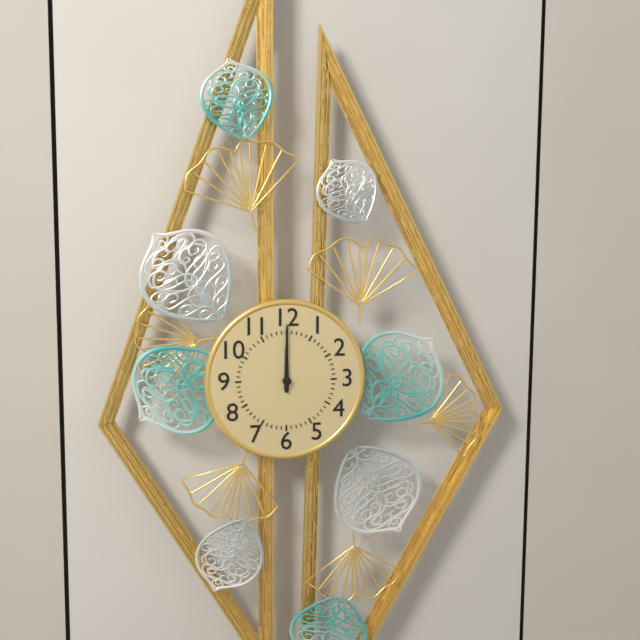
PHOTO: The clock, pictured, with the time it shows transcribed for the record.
12:00
